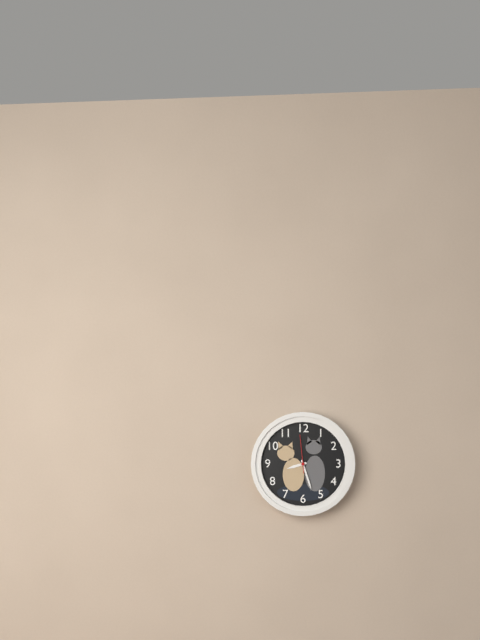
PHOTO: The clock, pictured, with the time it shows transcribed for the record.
8:27
